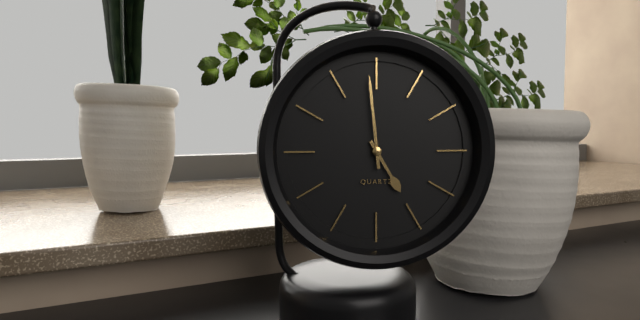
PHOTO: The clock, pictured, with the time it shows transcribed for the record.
4:59
